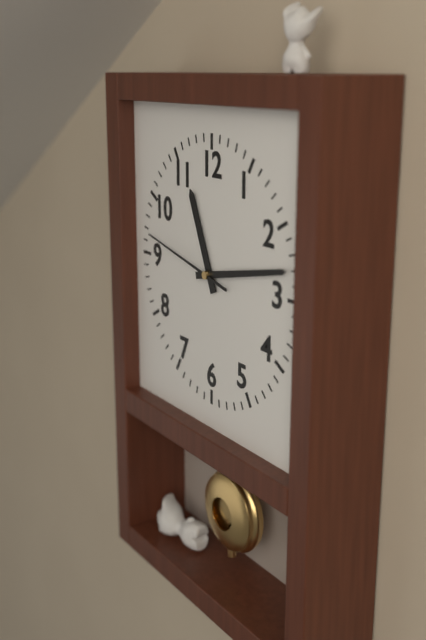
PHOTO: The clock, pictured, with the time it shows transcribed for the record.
11:13:47
